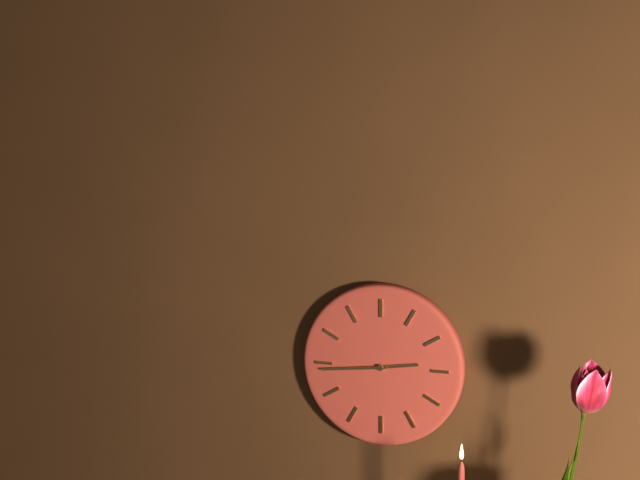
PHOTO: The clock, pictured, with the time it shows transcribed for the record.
2:44
